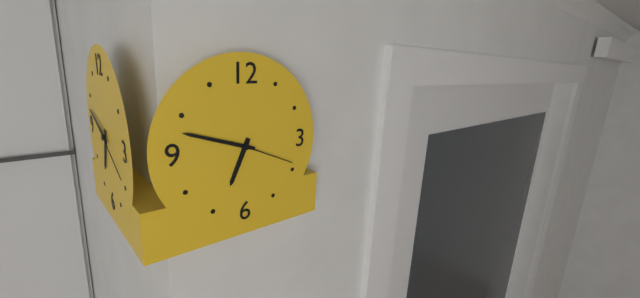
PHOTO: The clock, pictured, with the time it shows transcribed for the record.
6:48:19
